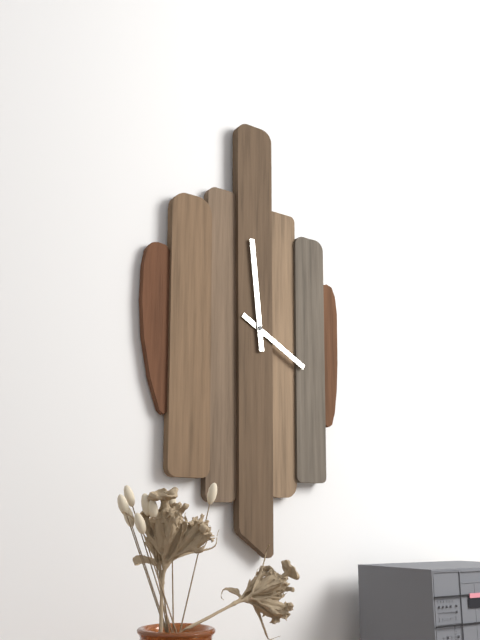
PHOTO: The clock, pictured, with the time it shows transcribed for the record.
3:59
